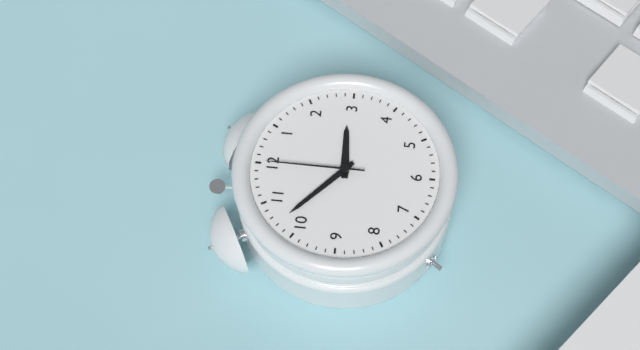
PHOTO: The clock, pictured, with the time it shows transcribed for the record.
2:52:00
